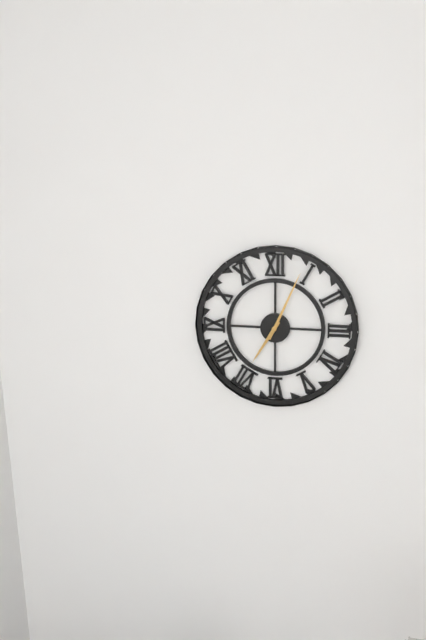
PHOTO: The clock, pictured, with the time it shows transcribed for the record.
7:04
